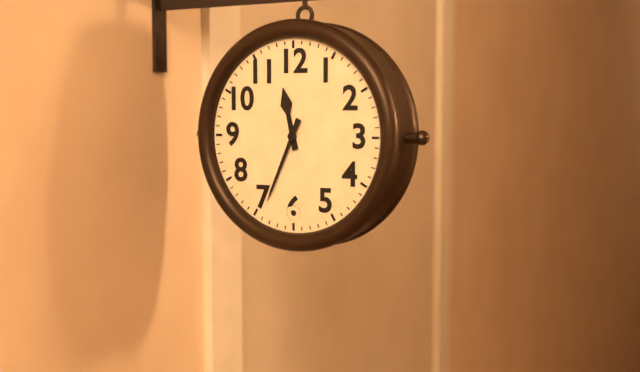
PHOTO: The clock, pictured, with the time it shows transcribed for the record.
11:34
